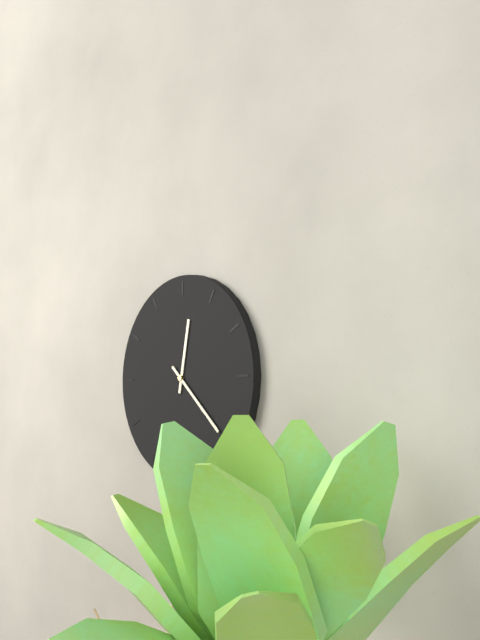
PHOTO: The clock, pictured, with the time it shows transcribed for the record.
12:22
